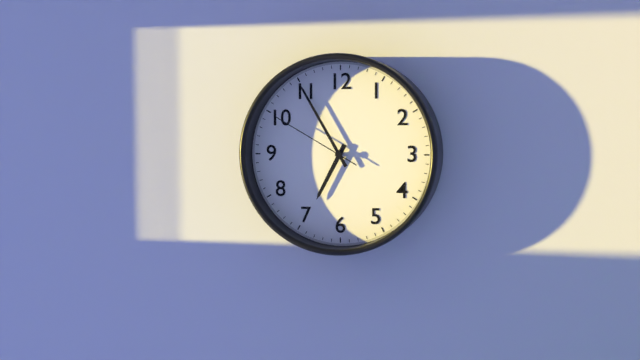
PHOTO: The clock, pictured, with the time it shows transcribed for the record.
6:55:50
